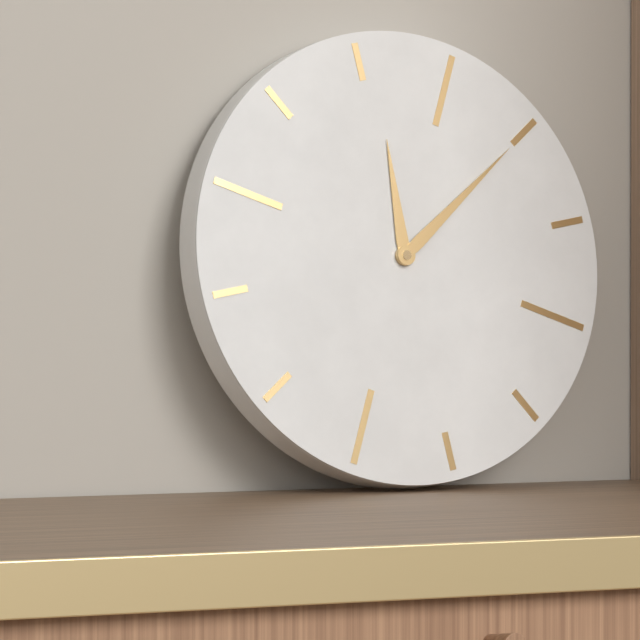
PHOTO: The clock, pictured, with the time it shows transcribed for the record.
12:10
